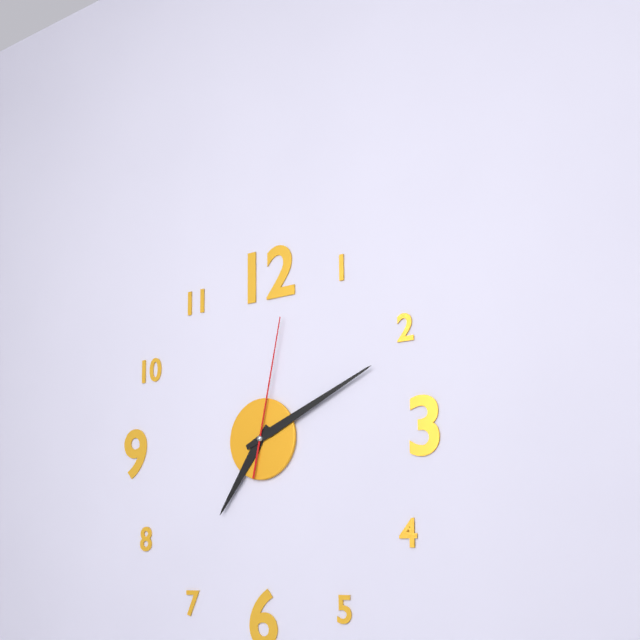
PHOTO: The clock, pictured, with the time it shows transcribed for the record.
7:11:02
